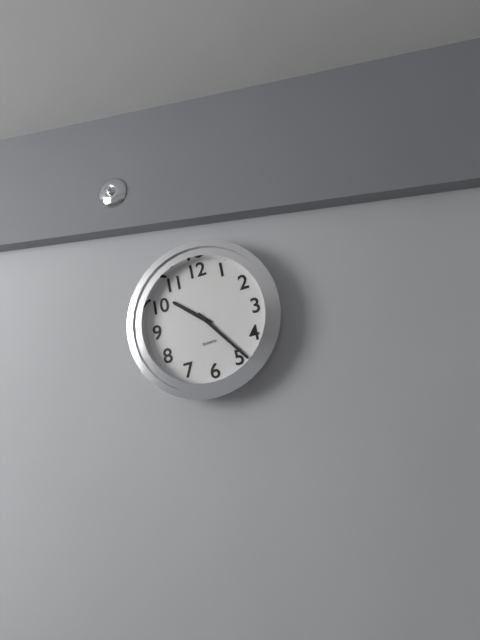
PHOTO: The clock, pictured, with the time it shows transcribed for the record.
10:24
